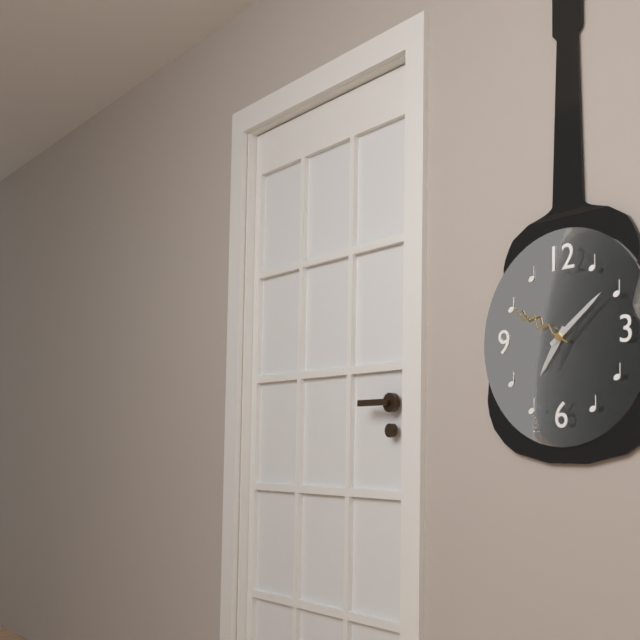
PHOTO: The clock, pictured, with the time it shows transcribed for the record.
7:09:50
